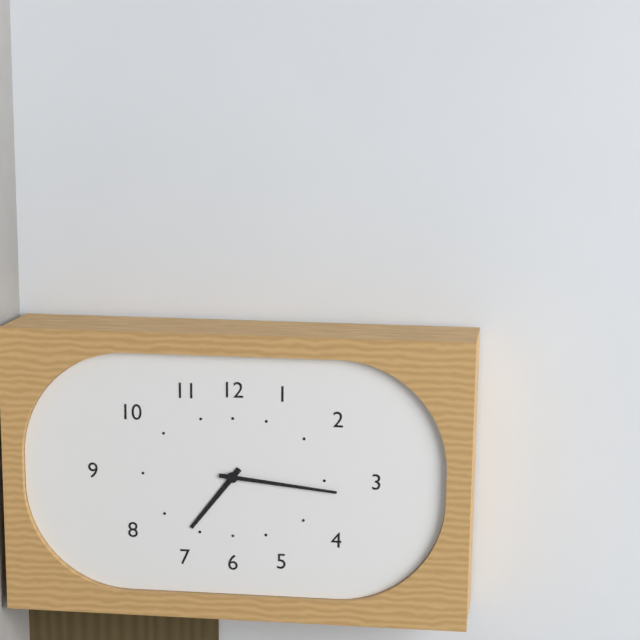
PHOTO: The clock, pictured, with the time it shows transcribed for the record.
7:16
